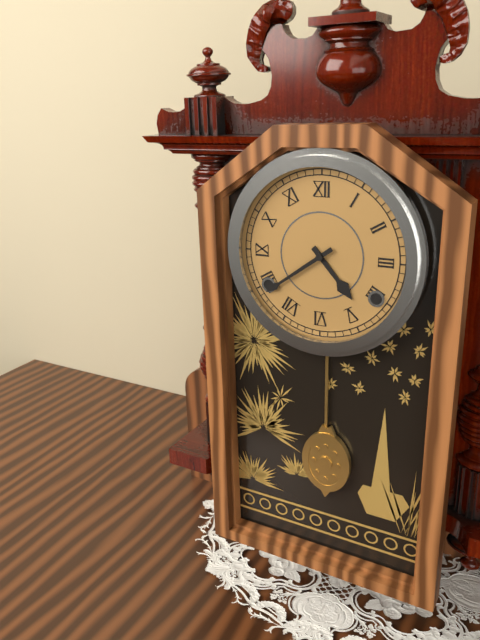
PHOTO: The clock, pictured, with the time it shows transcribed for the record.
4:39
